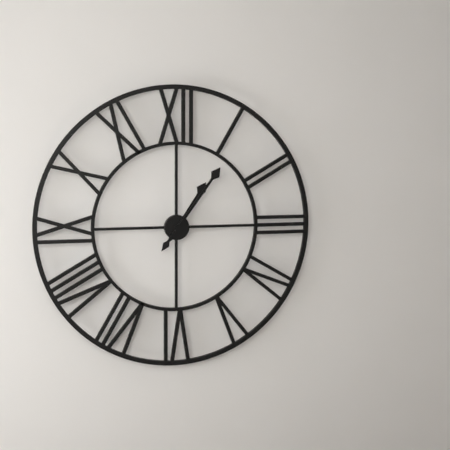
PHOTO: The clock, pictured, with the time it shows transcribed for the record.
1:06
